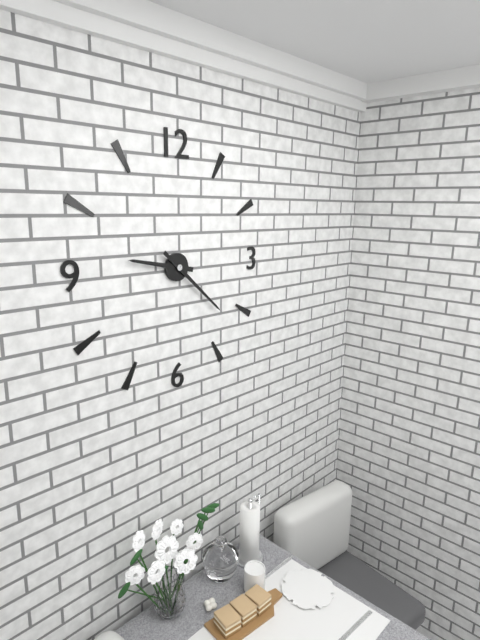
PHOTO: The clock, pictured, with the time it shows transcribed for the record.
9:22
